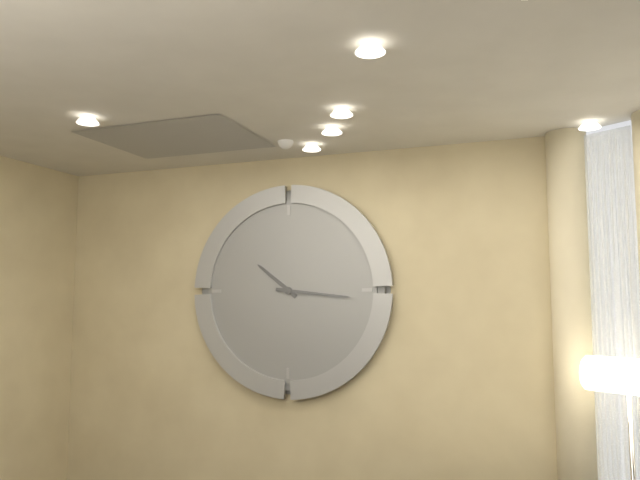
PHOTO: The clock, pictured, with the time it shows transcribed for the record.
10:16
